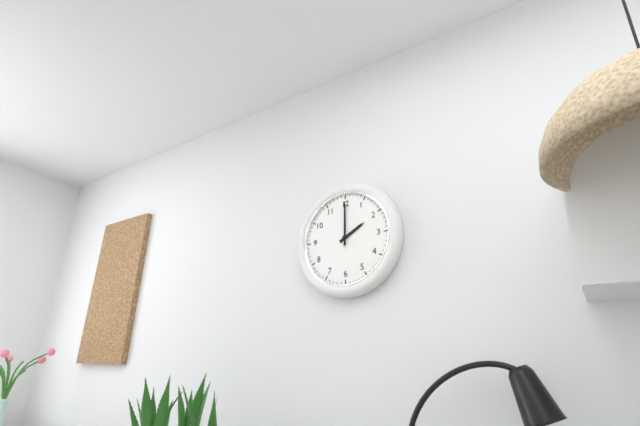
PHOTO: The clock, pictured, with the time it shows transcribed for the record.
2:00
